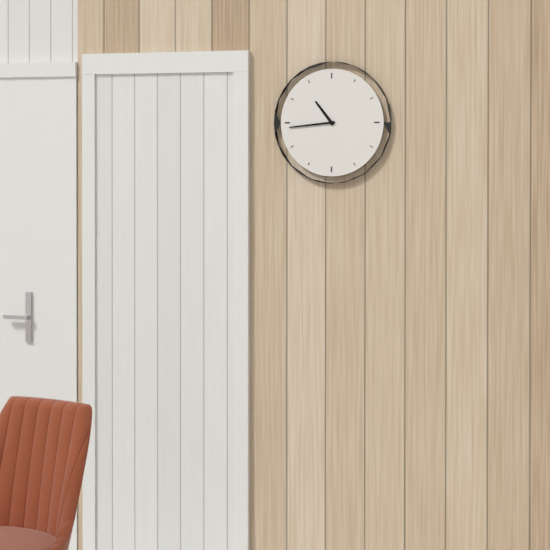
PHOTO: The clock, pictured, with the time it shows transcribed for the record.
10:44
